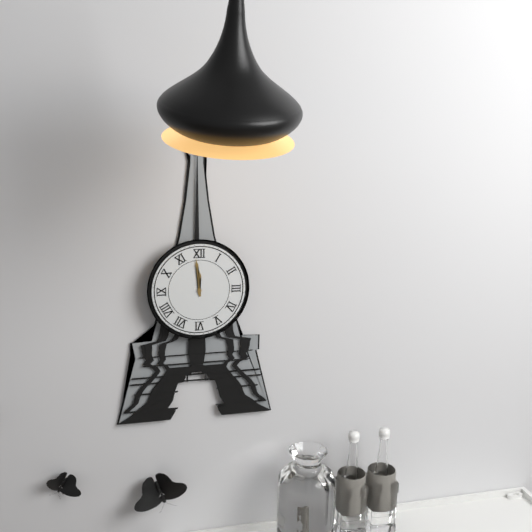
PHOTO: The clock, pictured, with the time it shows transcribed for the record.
11:59
